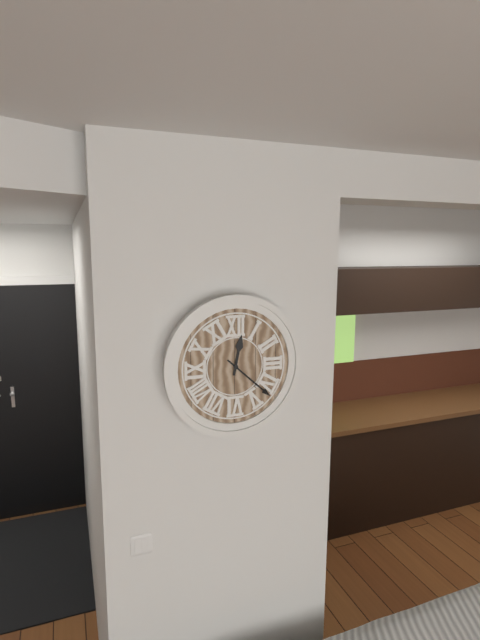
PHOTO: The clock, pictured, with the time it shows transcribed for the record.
12:22
